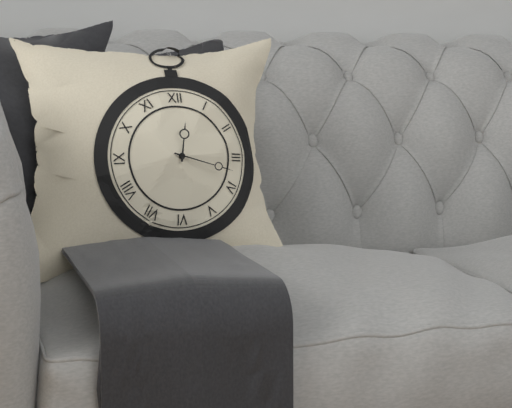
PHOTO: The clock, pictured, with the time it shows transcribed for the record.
12:18
